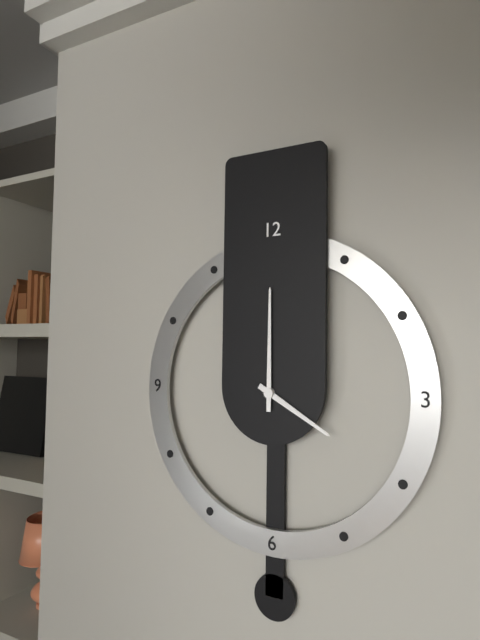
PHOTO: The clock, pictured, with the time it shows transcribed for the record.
4:00
